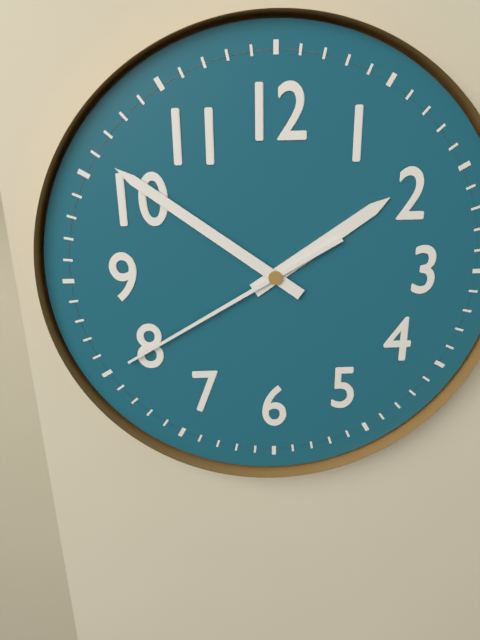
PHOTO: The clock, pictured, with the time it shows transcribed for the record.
1:51:40
